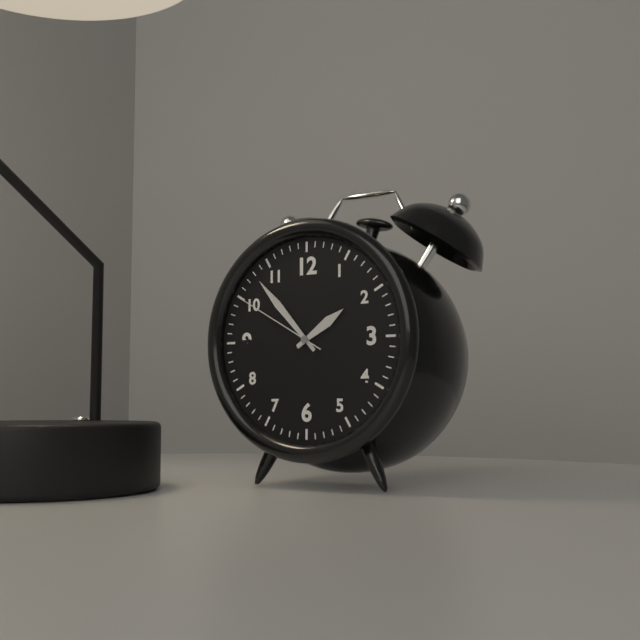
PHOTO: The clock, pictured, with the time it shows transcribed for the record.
1:53:50
